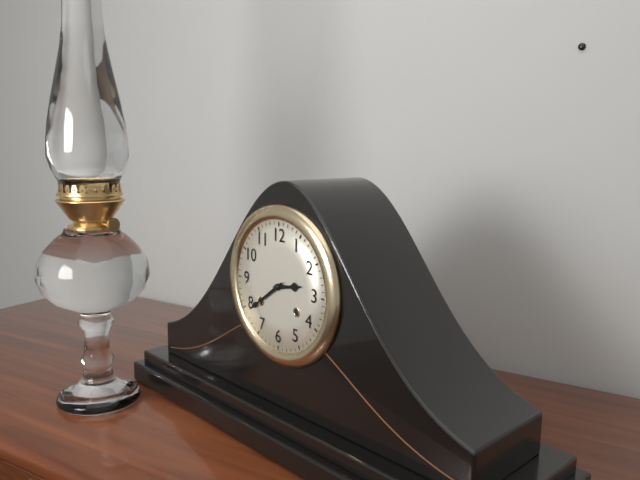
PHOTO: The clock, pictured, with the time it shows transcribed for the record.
2:39
